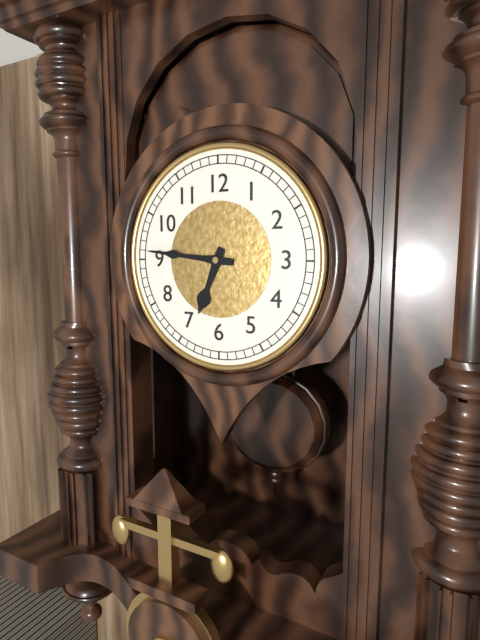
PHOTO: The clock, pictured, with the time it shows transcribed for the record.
6:46
